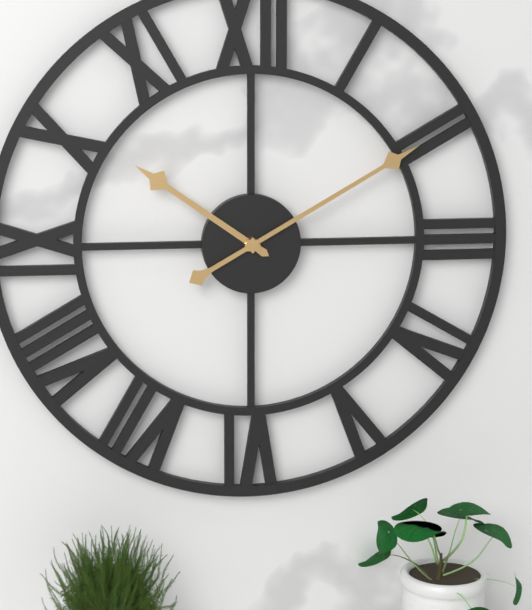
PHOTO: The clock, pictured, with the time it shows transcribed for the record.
10:10
